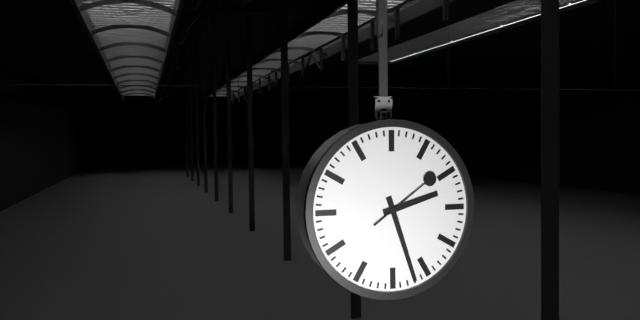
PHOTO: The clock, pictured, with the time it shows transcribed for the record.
2:27:09
